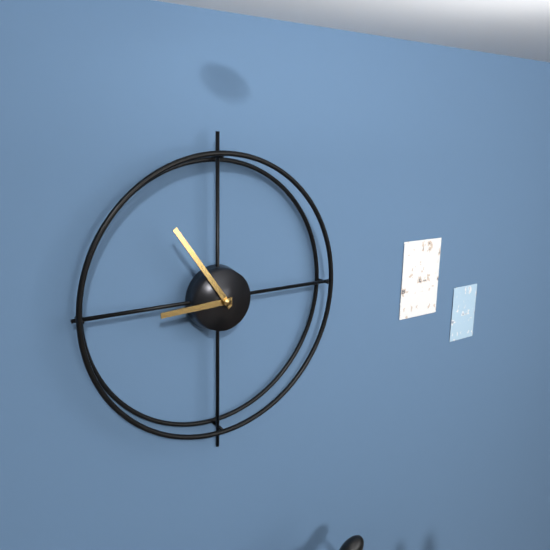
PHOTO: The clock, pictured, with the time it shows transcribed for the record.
8:54
